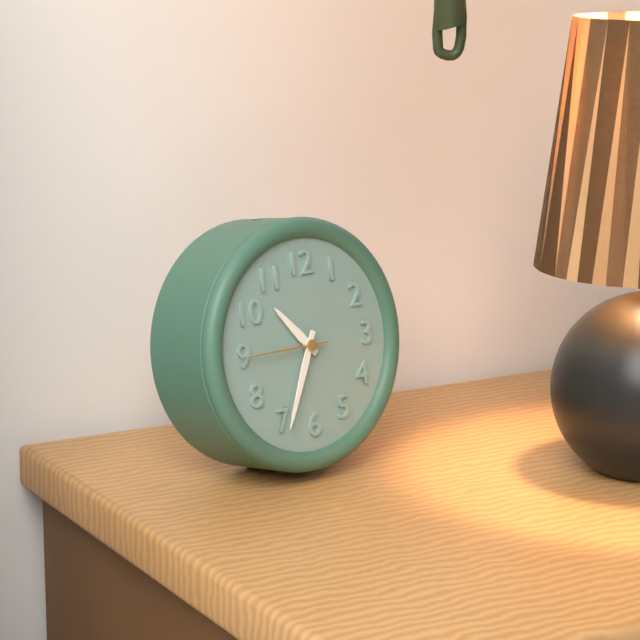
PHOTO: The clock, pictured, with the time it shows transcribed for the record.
10:34:45
